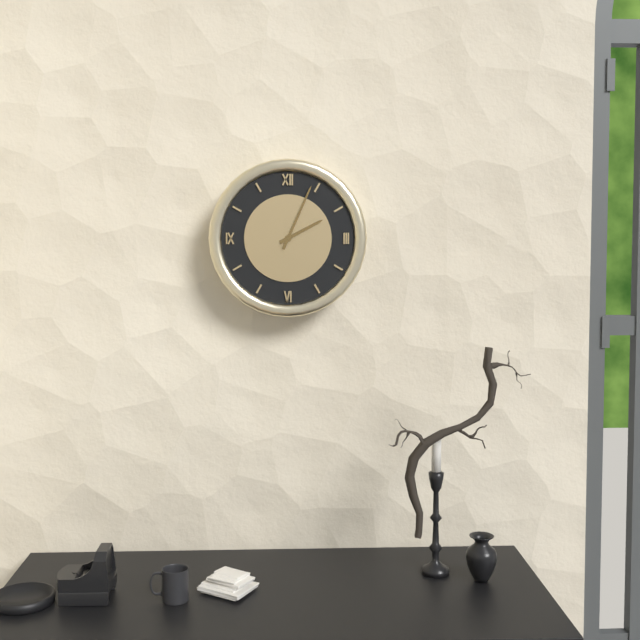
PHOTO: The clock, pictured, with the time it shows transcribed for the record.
2:04
